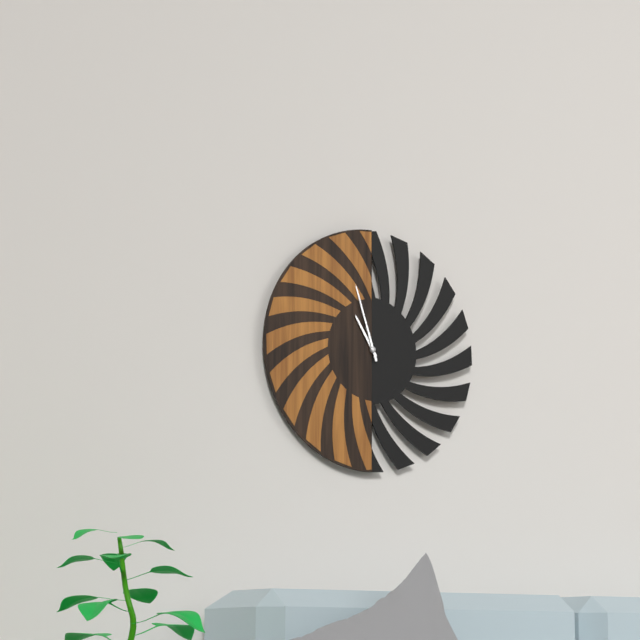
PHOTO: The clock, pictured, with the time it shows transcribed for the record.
10:57
